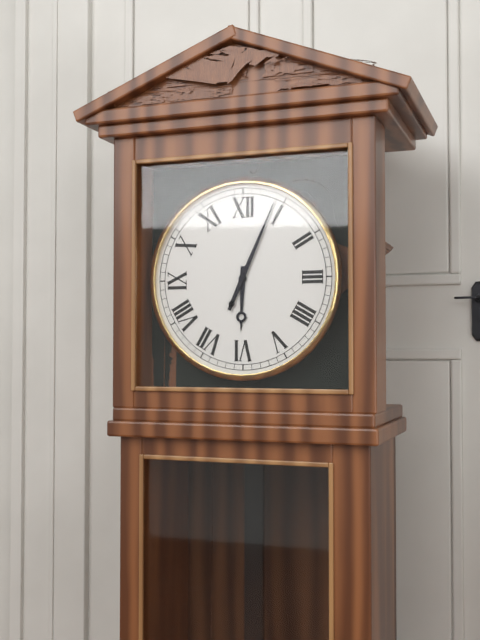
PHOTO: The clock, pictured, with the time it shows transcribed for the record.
6:04
